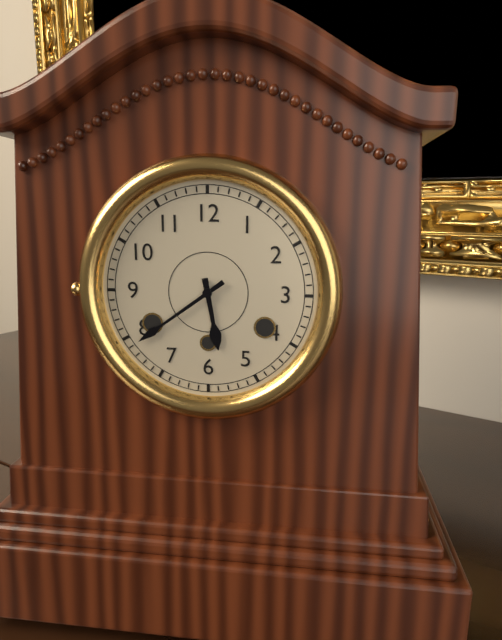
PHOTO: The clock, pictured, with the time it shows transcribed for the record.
5:39
